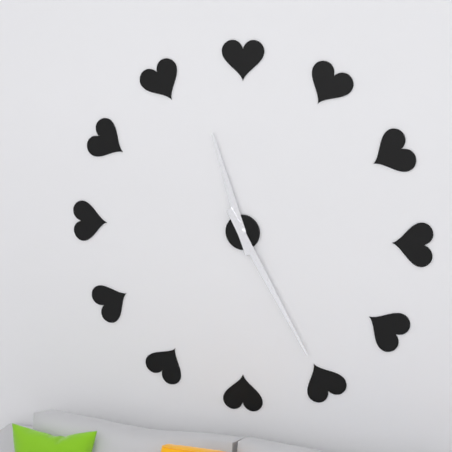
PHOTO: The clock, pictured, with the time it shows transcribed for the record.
11:25
